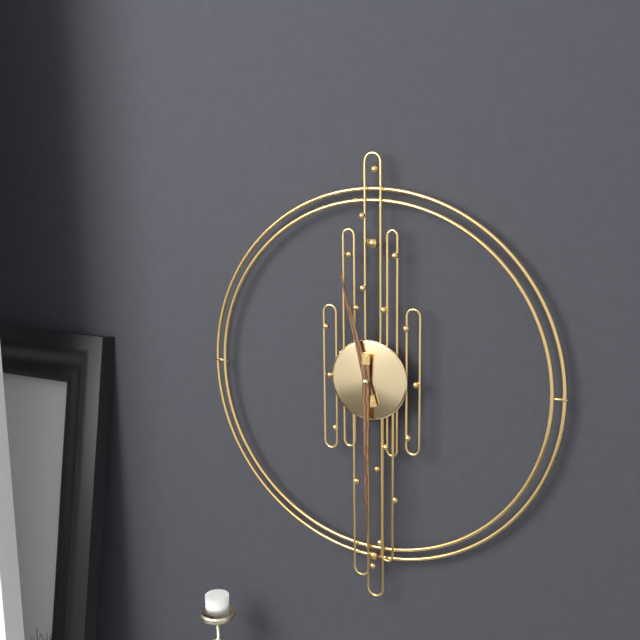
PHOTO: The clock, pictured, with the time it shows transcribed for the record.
11:30
